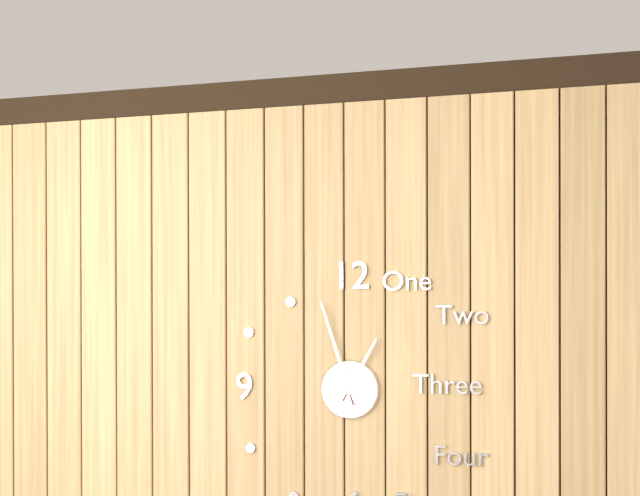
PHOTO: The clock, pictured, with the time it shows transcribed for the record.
12:57
